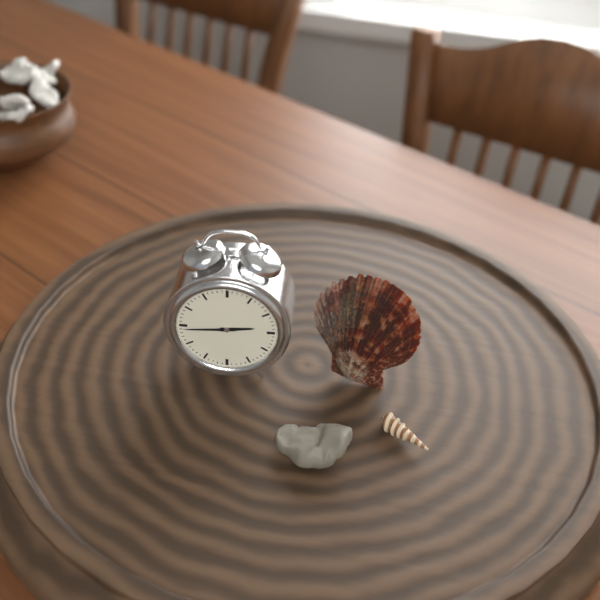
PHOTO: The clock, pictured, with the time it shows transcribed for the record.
2:44
